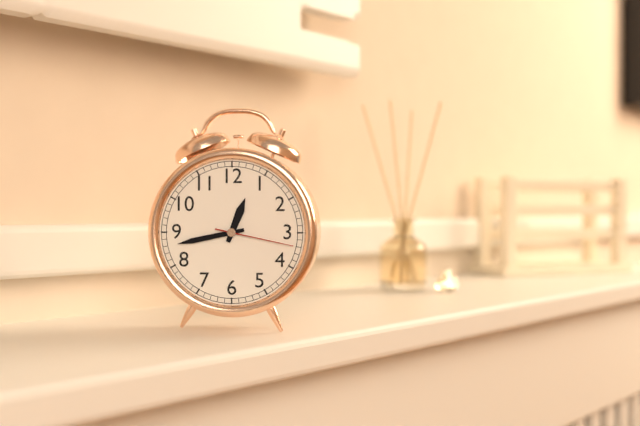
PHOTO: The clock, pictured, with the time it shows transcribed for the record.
12:43:17
